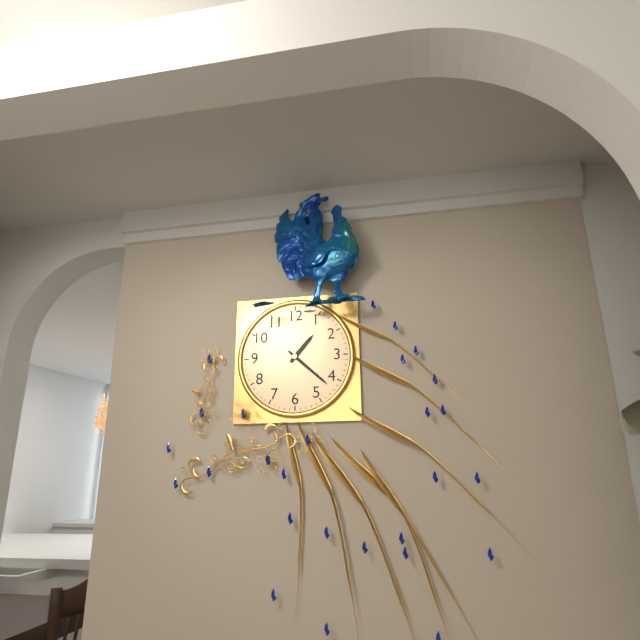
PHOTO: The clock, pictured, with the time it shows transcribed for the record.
1:22
